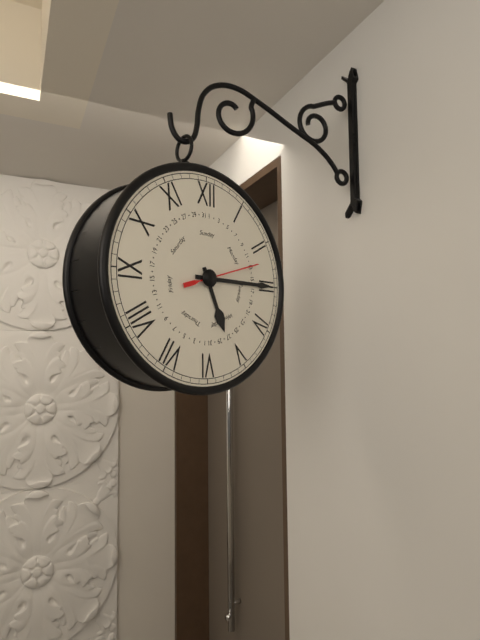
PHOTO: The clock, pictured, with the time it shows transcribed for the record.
5:15:12
